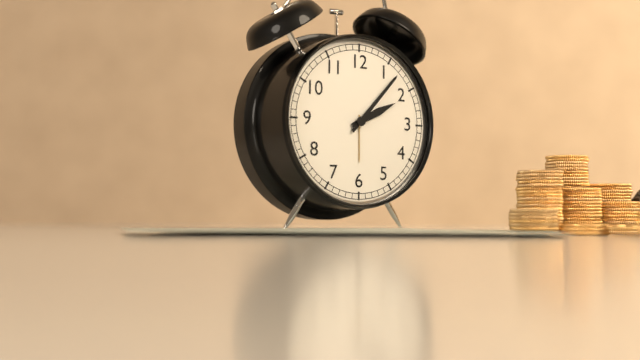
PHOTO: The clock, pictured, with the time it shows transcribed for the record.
2:07
